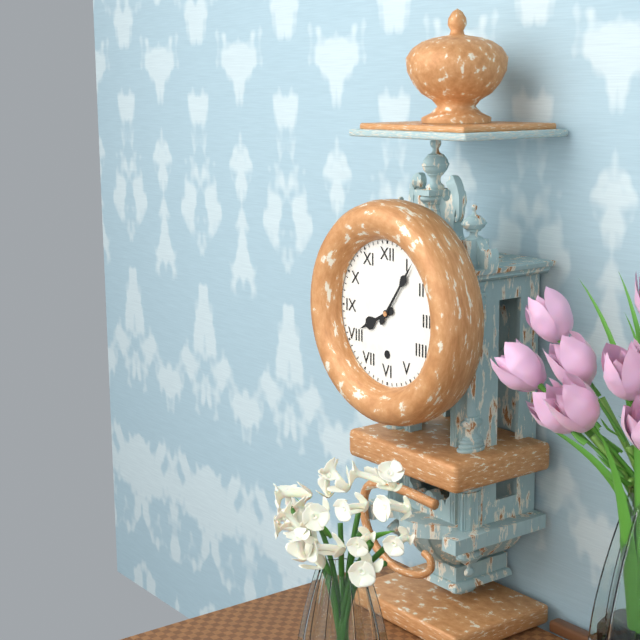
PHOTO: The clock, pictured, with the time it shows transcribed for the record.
8:06
